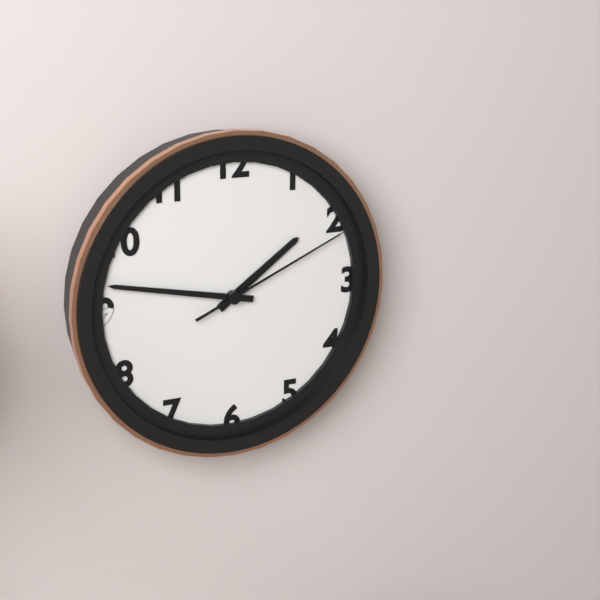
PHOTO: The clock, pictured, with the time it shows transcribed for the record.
1:47:11
